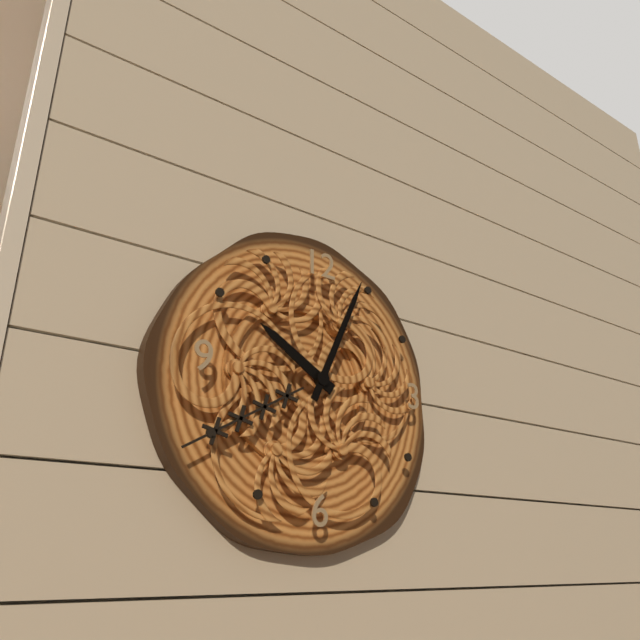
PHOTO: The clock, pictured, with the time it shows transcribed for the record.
10:04
